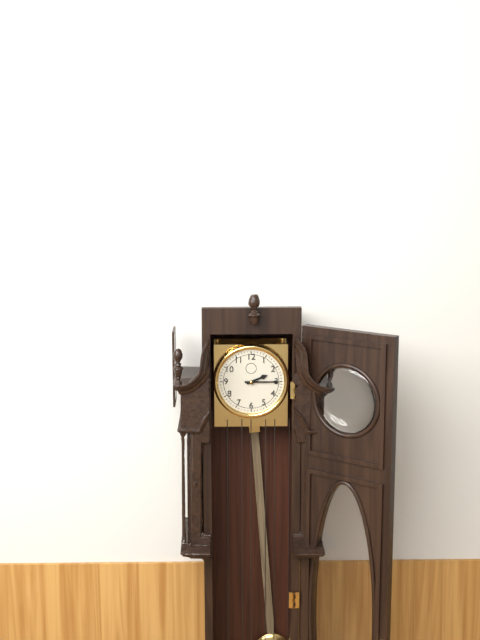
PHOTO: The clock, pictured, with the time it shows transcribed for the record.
2:15
